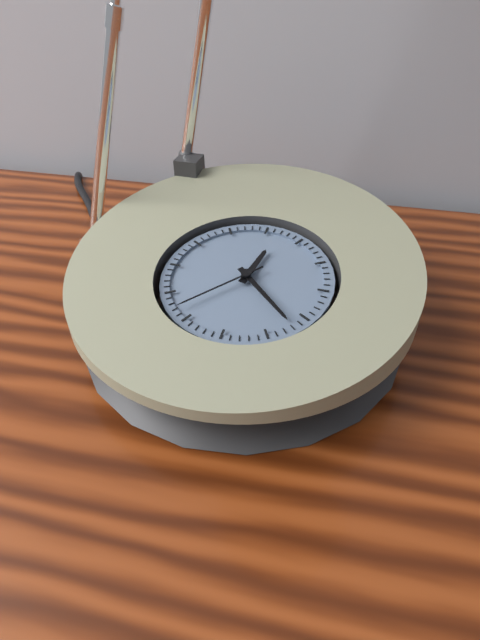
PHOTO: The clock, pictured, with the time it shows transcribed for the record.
12:22:37
